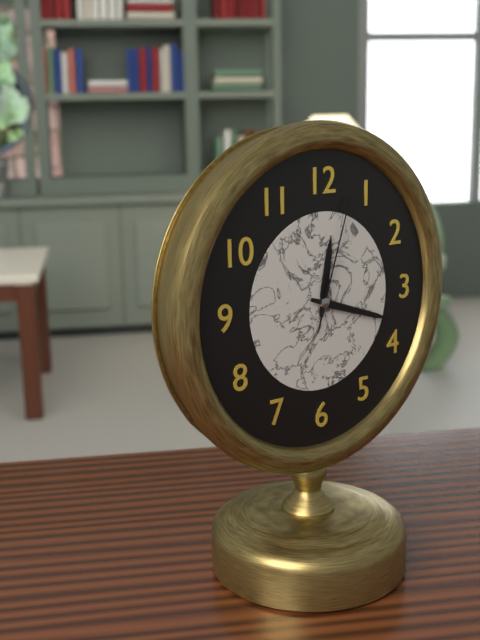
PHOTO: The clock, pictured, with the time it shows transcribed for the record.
12:18:03
